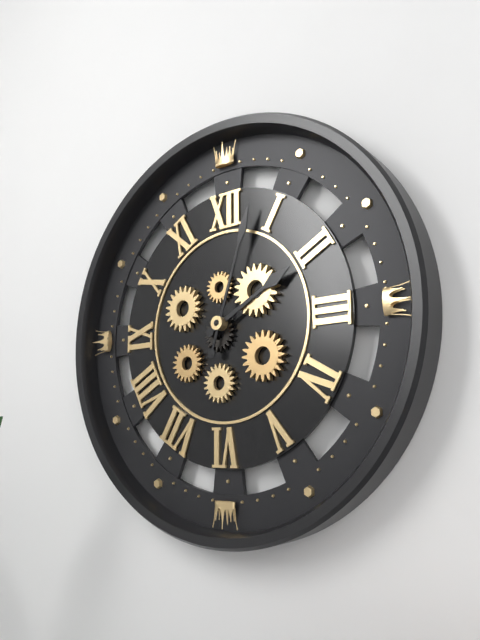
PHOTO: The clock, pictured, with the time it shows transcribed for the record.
2:03
